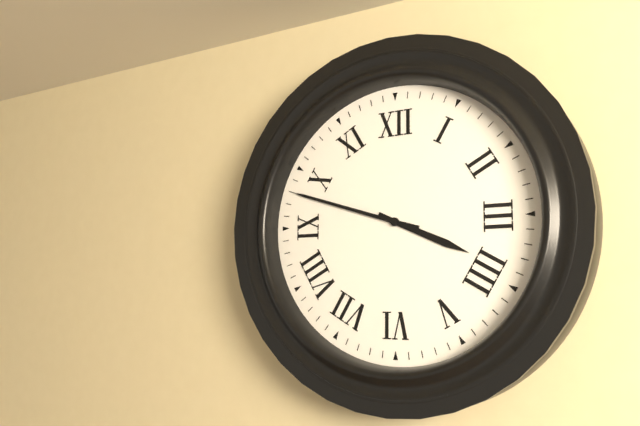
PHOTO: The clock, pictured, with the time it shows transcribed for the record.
3:48
